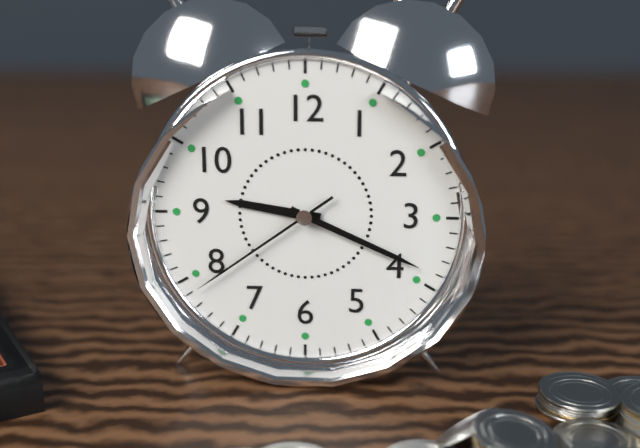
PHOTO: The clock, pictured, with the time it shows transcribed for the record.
9:19:39
